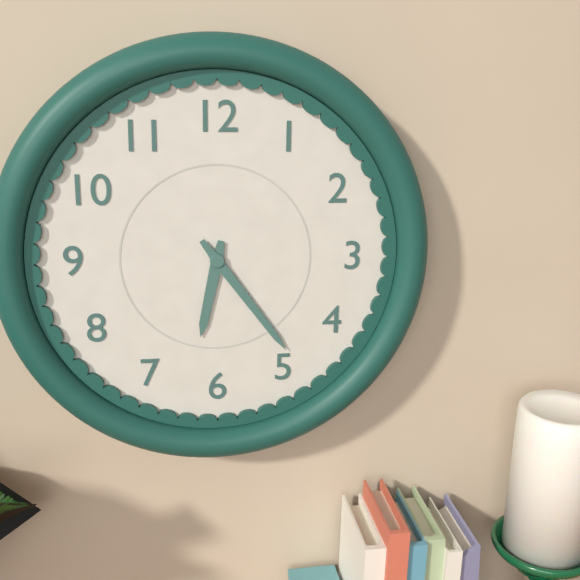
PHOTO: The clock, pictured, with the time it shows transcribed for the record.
6:24
